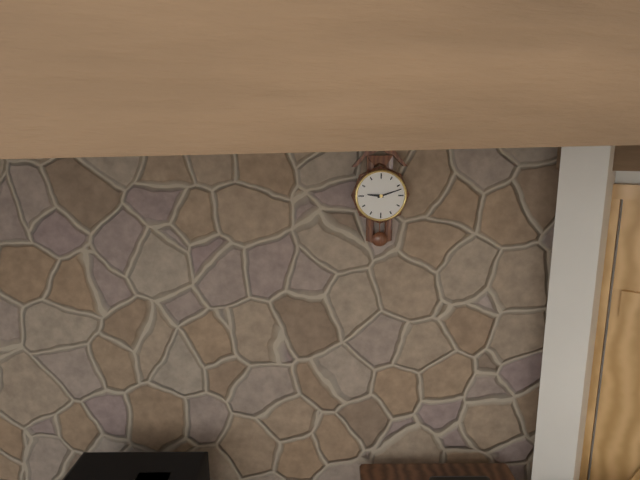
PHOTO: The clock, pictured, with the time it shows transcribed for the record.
9:12
